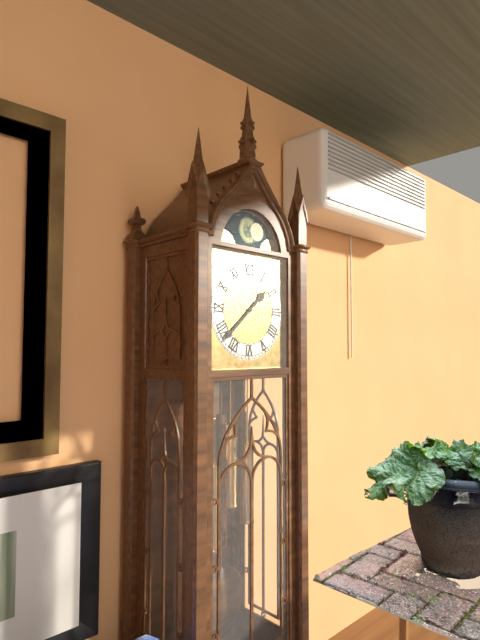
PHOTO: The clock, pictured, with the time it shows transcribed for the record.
1:38
